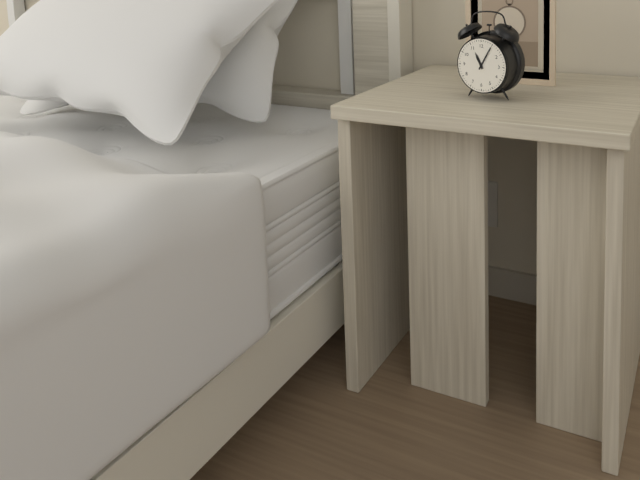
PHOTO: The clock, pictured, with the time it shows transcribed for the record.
11:05
